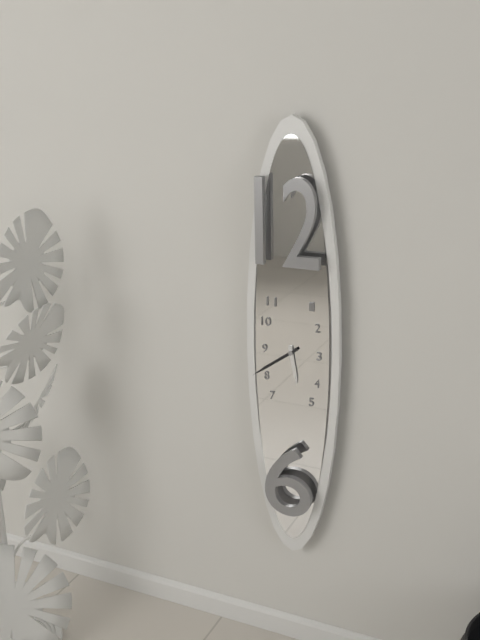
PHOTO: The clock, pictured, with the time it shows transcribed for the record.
5:39
